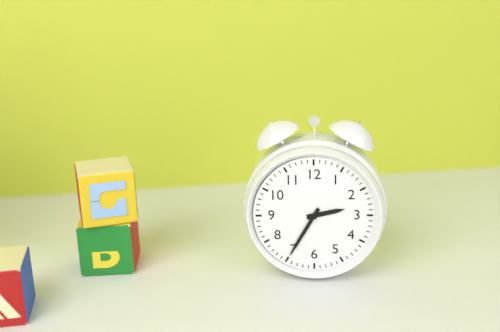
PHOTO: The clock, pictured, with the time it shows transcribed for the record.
2:35
